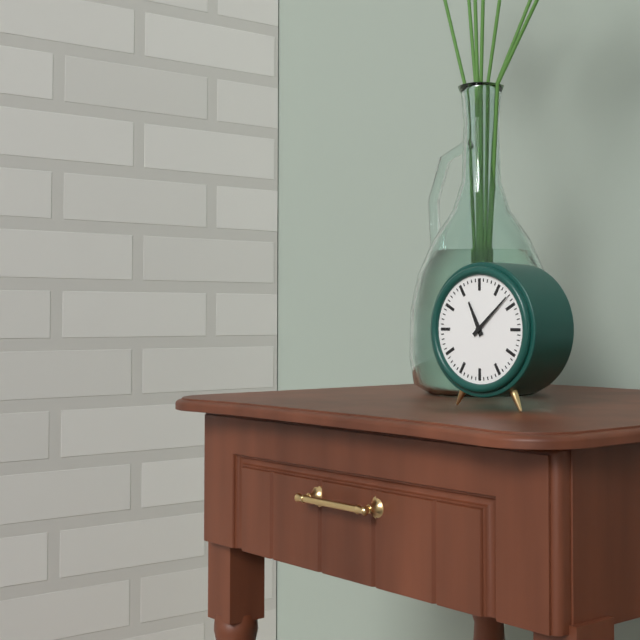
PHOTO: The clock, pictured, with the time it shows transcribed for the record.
11:08
